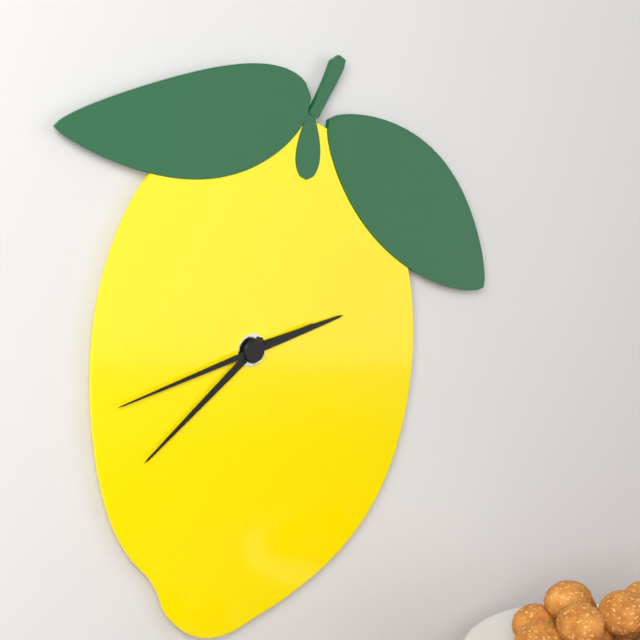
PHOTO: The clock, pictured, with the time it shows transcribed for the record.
2:39:43
